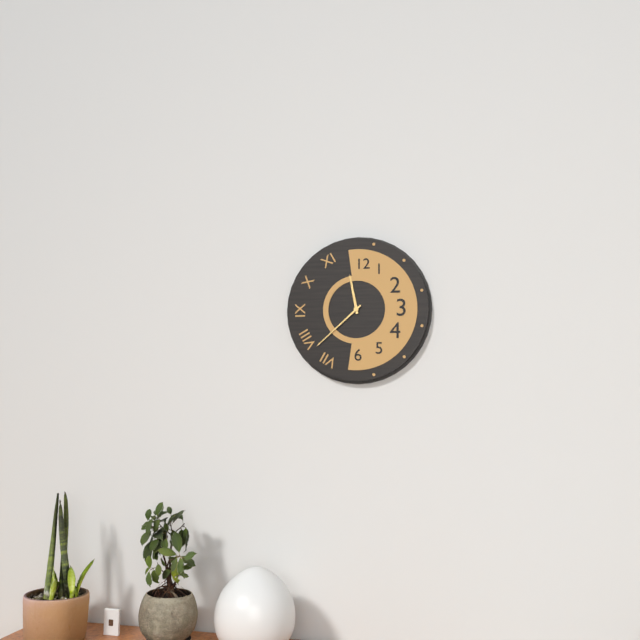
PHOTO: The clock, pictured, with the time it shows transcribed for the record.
11:38
